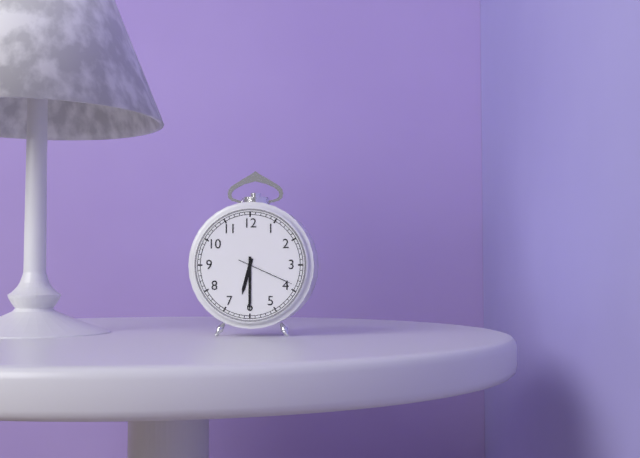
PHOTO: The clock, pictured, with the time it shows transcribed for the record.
6:30:19
